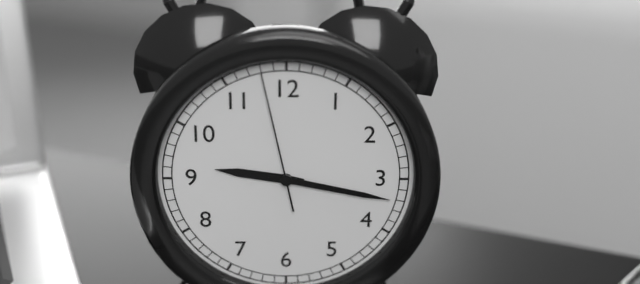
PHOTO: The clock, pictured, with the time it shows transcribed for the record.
9:17:58
